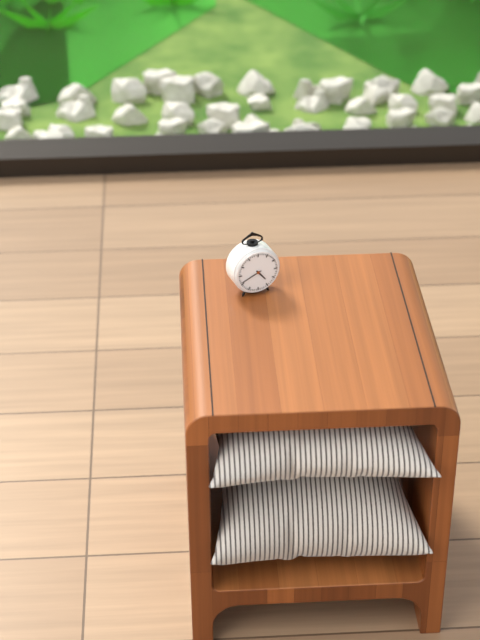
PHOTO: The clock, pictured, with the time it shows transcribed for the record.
4:41
